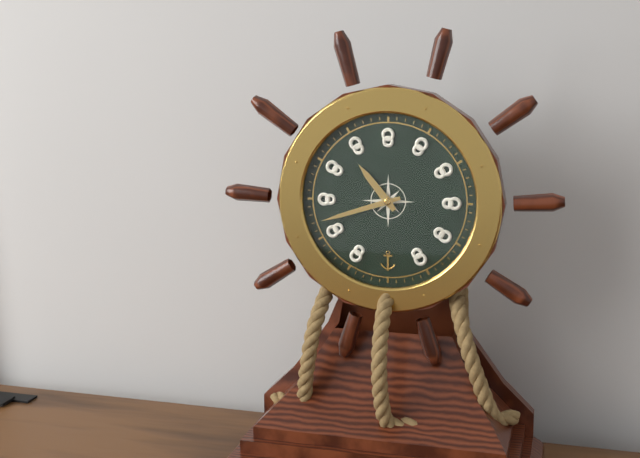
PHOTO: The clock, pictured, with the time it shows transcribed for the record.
10:42
